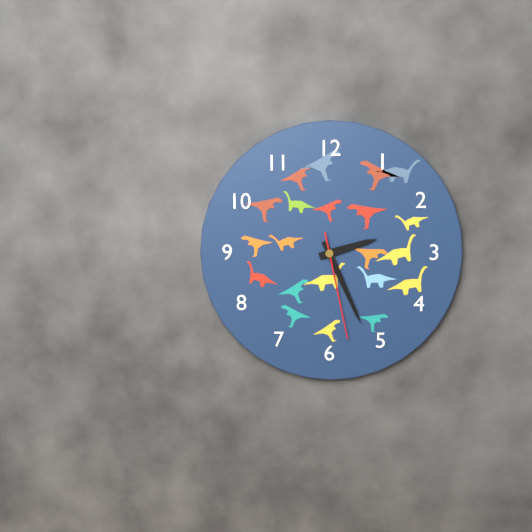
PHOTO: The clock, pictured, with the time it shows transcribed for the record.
2:26:28
